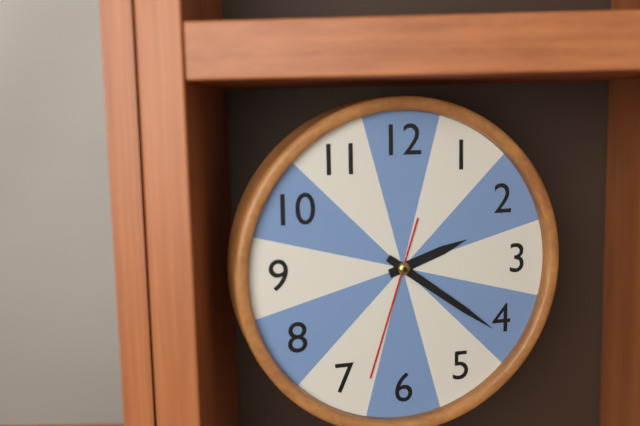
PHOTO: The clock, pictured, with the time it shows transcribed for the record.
2:21:33
